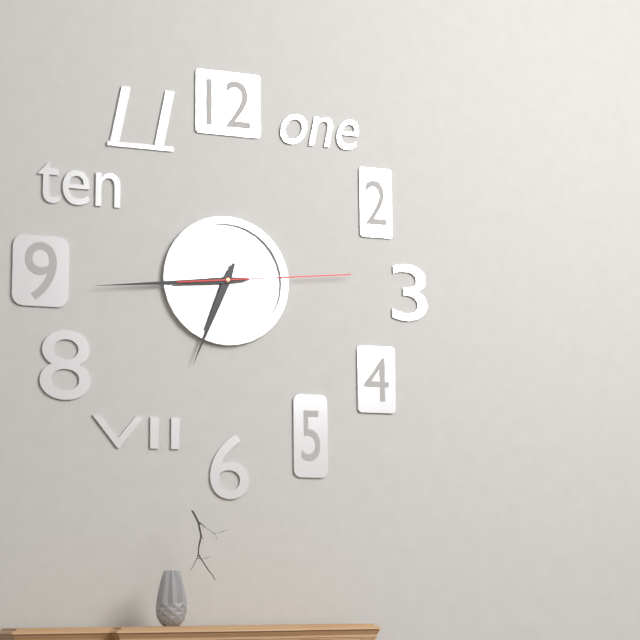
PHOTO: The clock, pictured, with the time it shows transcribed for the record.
6:44:14
